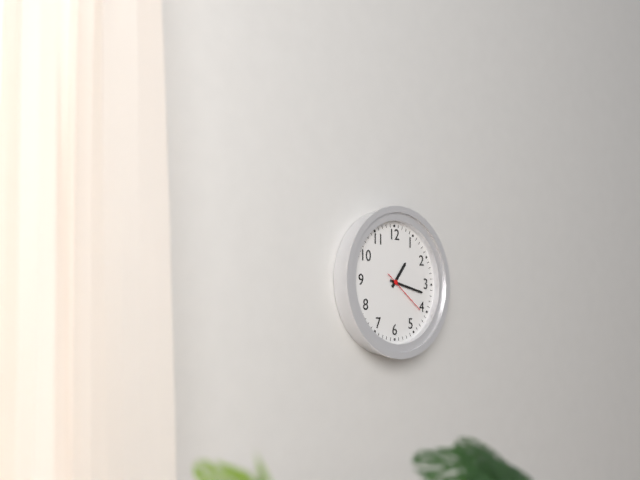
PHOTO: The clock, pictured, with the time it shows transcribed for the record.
1:17
